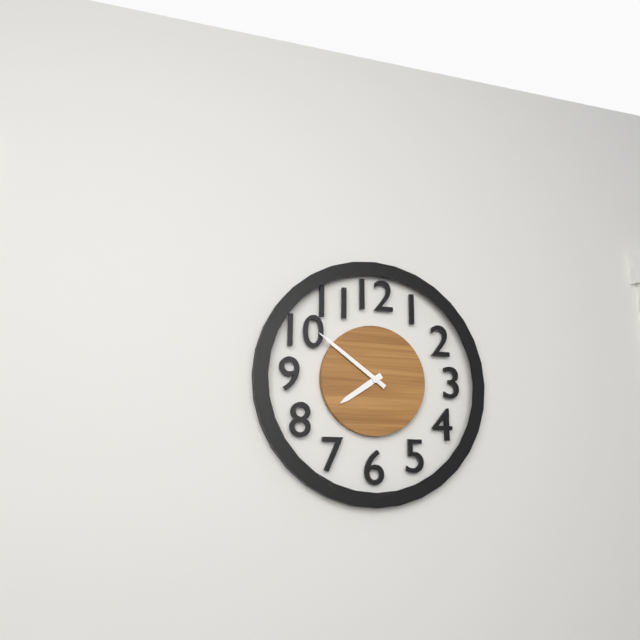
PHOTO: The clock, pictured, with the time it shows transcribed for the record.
7:51
